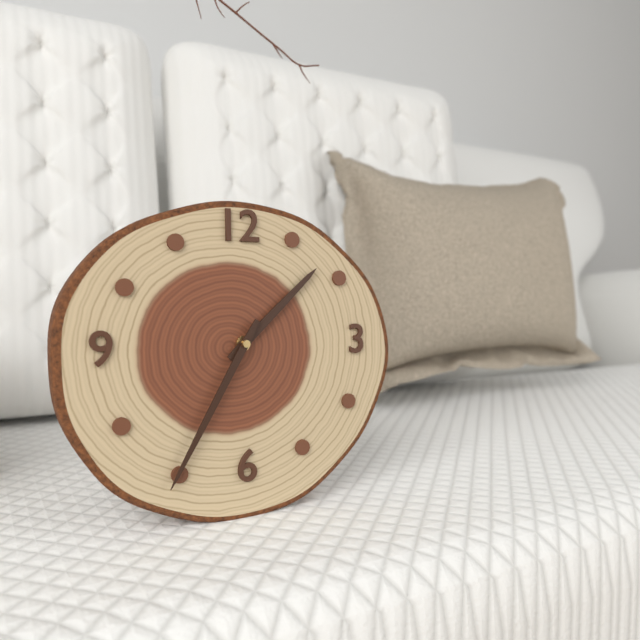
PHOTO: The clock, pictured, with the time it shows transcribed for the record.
1:35
